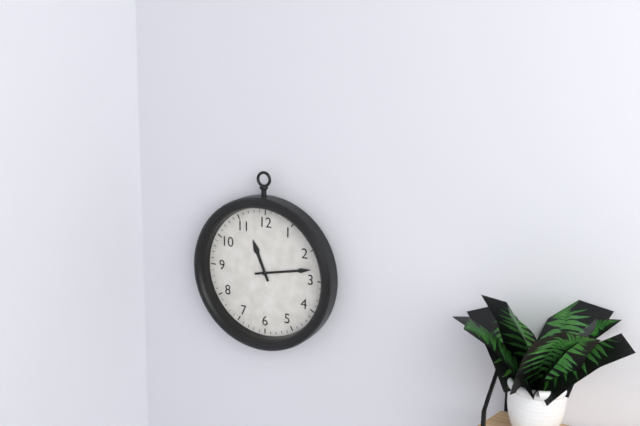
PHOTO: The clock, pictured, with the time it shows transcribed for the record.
11:13
